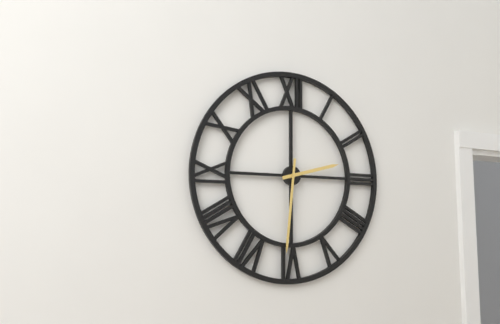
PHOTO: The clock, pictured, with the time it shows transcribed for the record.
2:31
